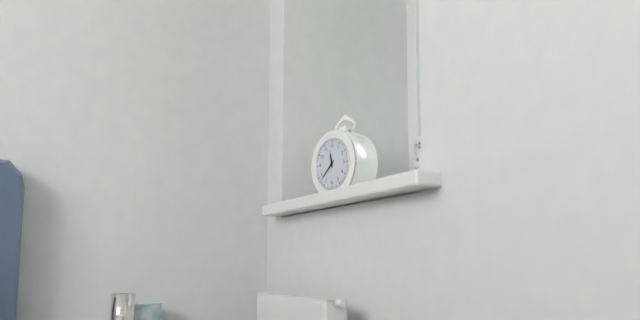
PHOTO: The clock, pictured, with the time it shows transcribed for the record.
11:38
